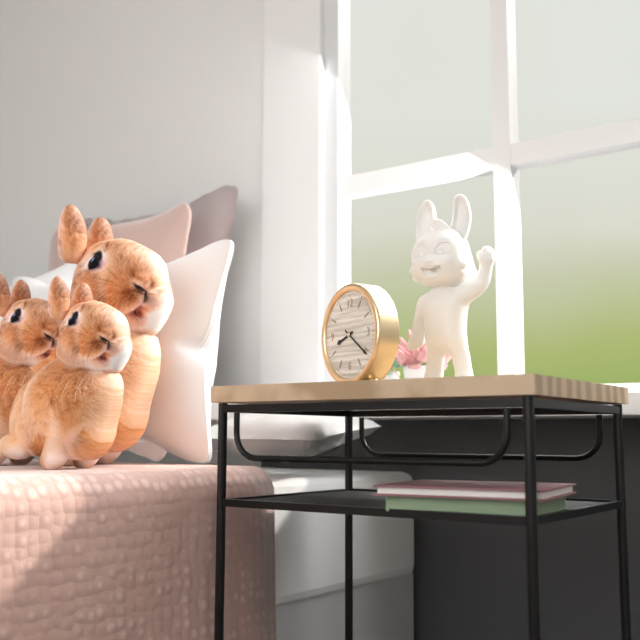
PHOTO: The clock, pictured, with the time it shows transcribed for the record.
8:21
